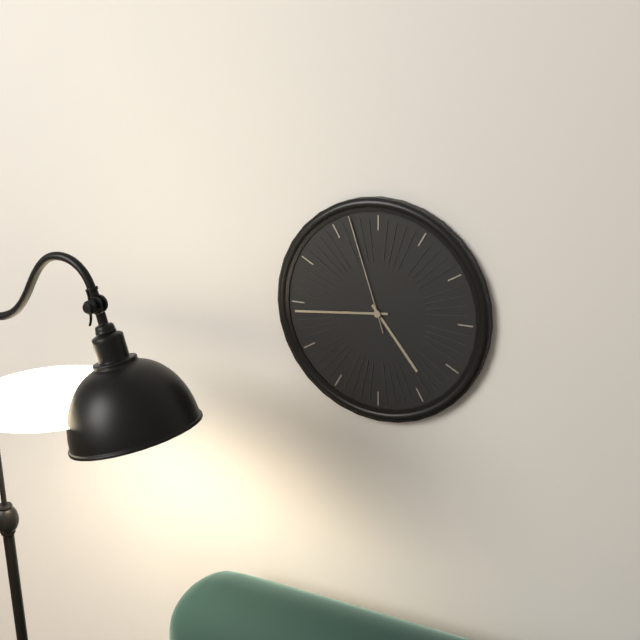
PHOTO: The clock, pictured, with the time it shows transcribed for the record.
4:44:57
